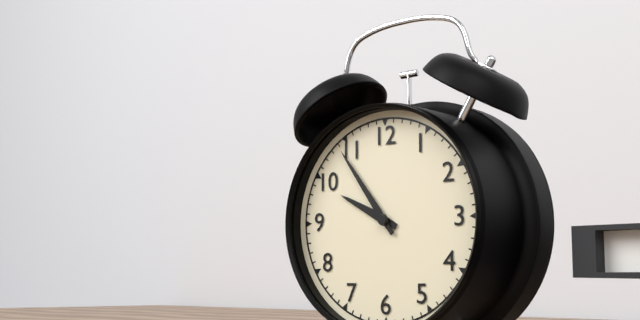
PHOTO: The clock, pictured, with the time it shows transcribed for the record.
9:54
